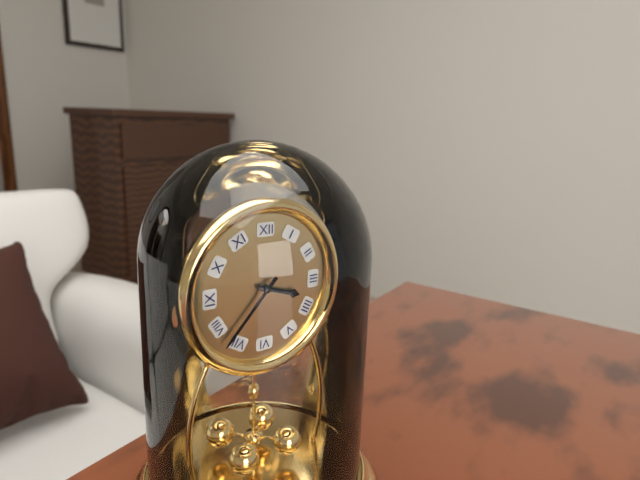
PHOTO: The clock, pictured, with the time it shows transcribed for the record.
3:37
